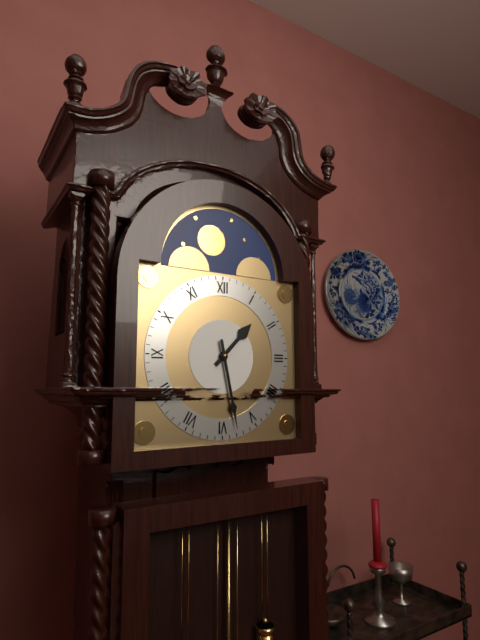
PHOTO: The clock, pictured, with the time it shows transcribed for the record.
1:28
